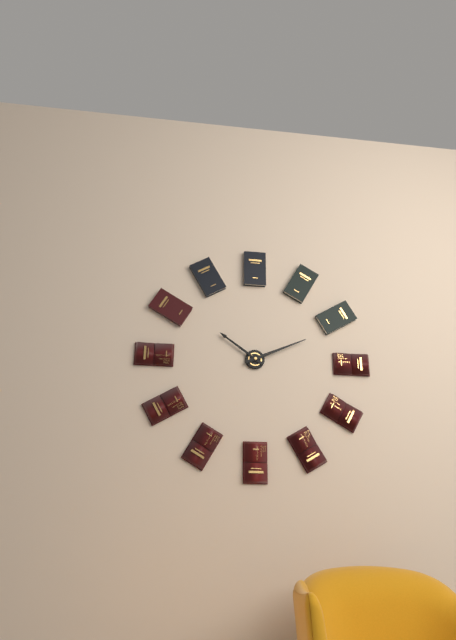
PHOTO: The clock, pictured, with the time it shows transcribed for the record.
10:11
